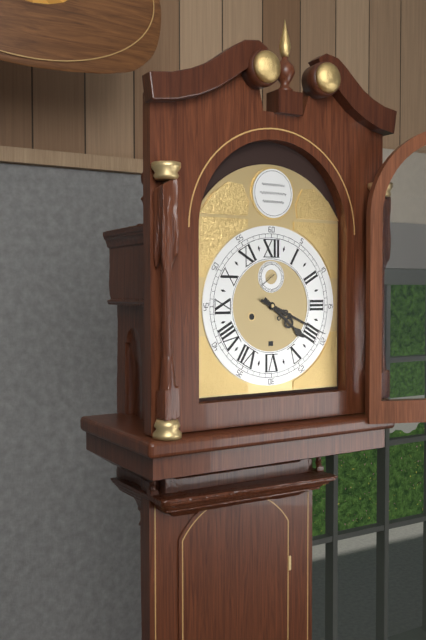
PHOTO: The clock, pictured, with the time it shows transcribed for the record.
4:19
